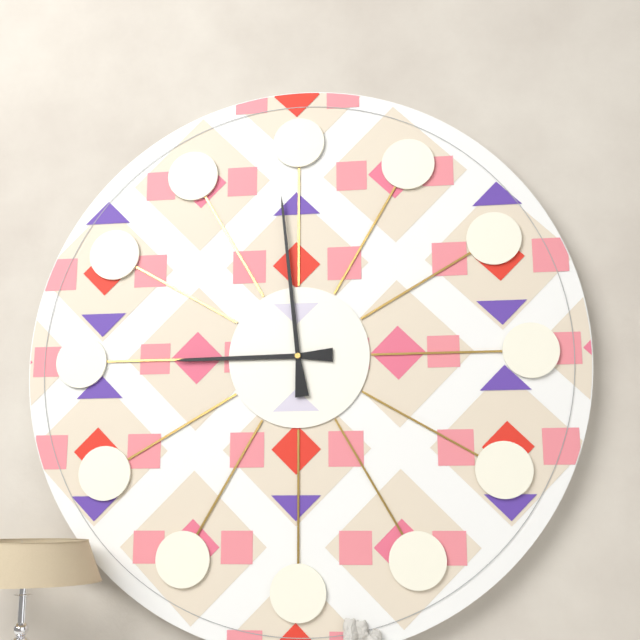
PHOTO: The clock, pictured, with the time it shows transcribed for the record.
8:59
